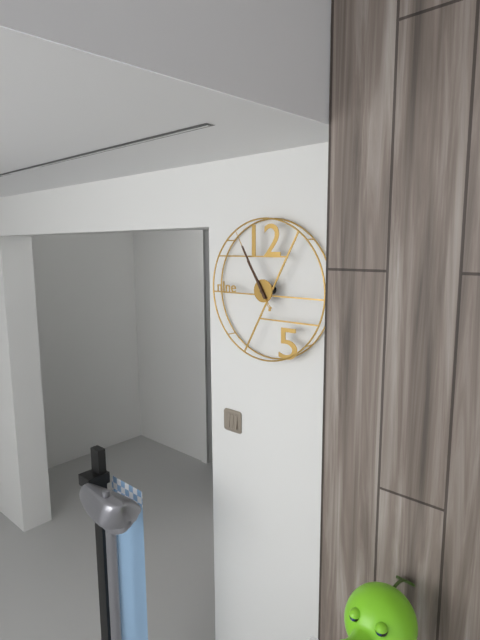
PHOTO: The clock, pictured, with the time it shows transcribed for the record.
10:55
